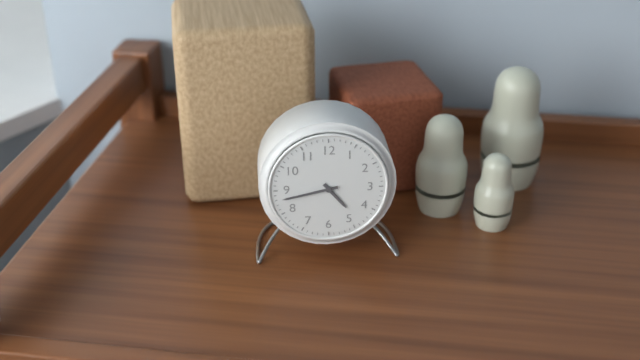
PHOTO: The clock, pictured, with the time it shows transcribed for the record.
4:43
